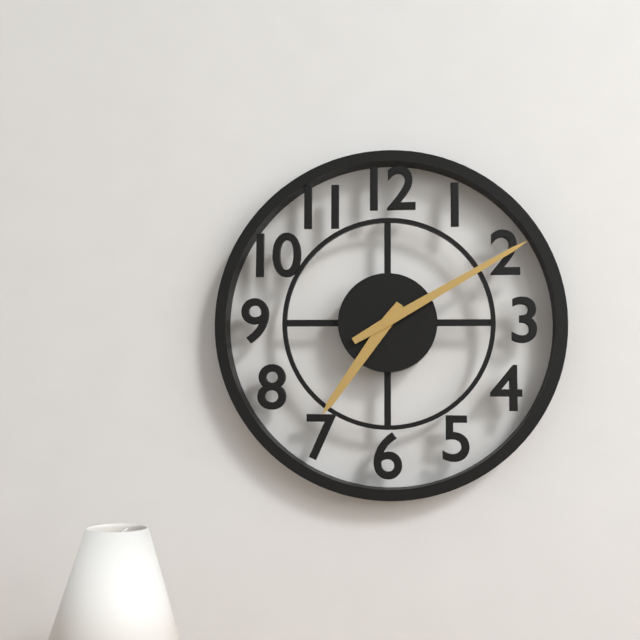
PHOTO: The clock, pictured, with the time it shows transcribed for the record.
7:10
